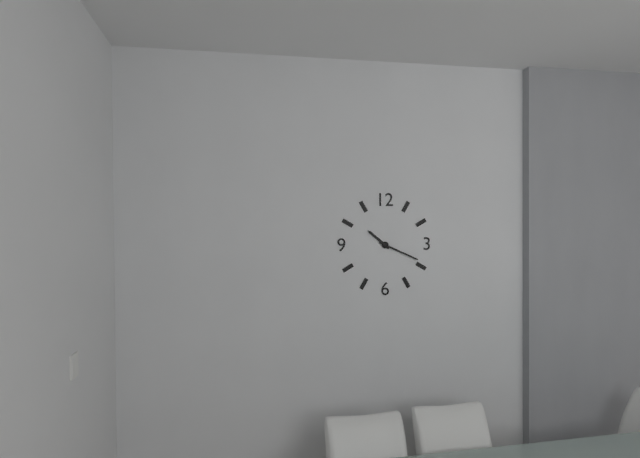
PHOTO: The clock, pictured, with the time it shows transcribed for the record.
10:19
